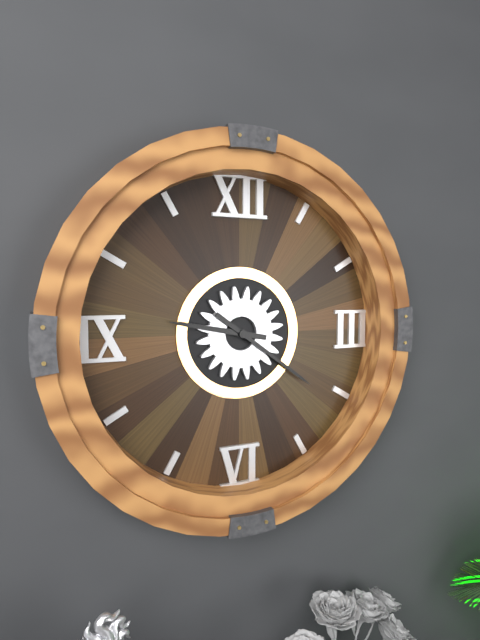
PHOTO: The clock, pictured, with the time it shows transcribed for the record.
9:21
